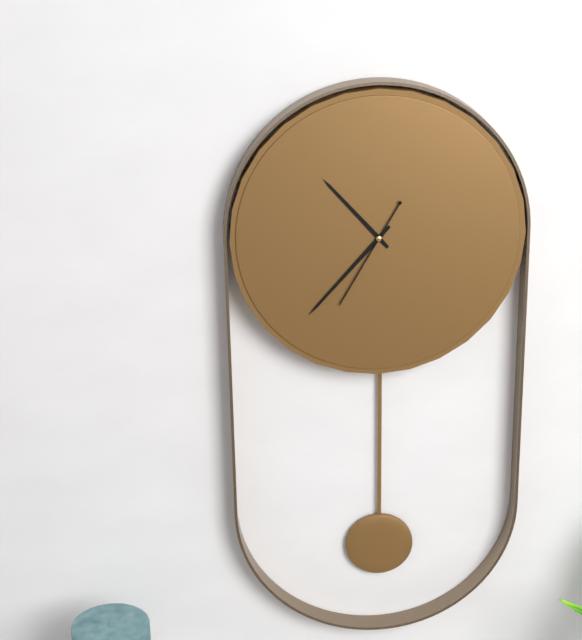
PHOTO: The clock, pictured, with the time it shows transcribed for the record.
10:37:35
